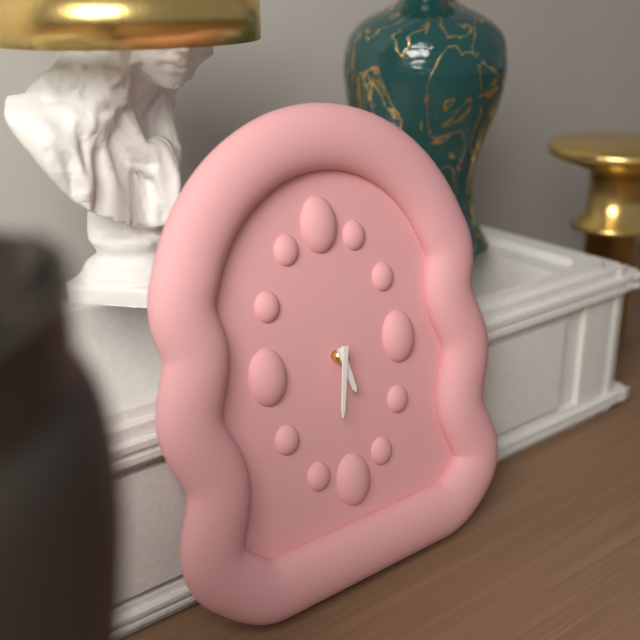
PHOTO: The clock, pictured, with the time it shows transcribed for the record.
5:32
